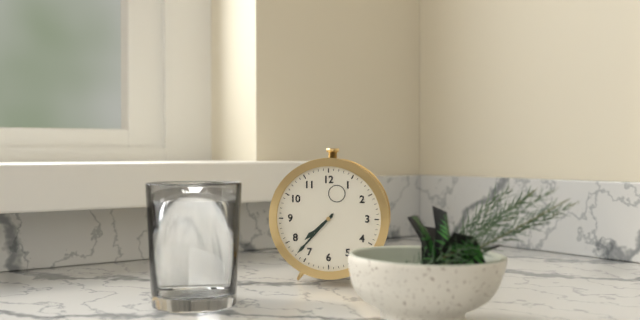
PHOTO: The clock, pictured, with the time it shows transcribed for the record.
7:37
